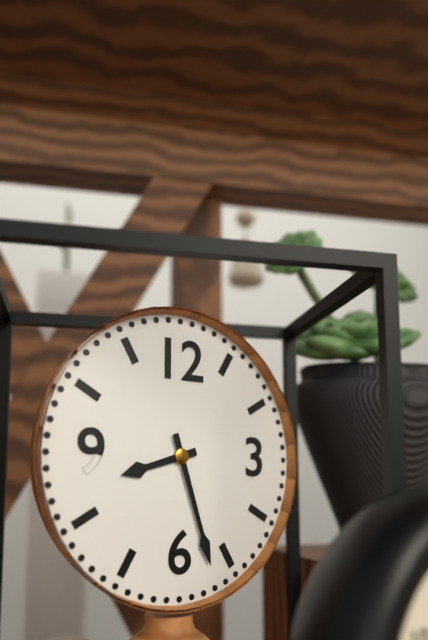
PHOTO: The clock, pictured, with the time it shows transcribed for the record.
8:27
